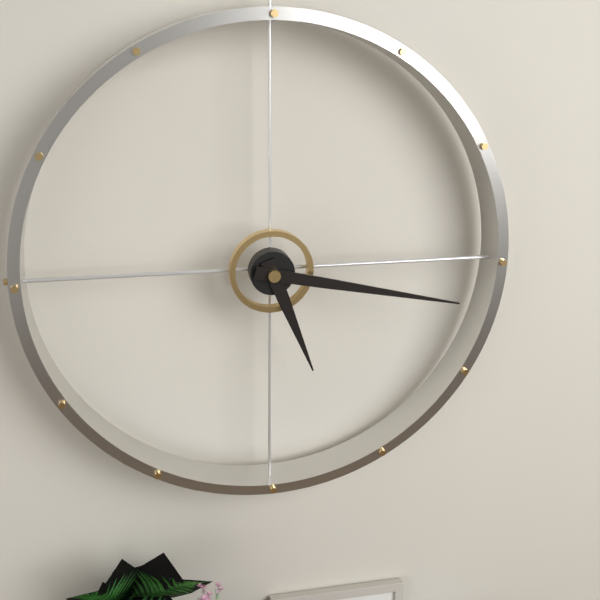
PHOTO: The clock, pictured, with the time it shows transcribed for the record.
5:17
